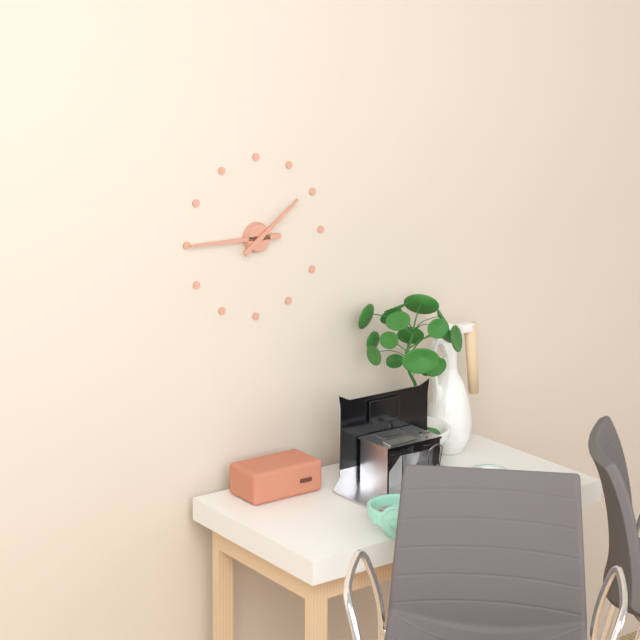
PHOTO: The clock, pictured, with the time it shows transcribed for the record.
1:45
